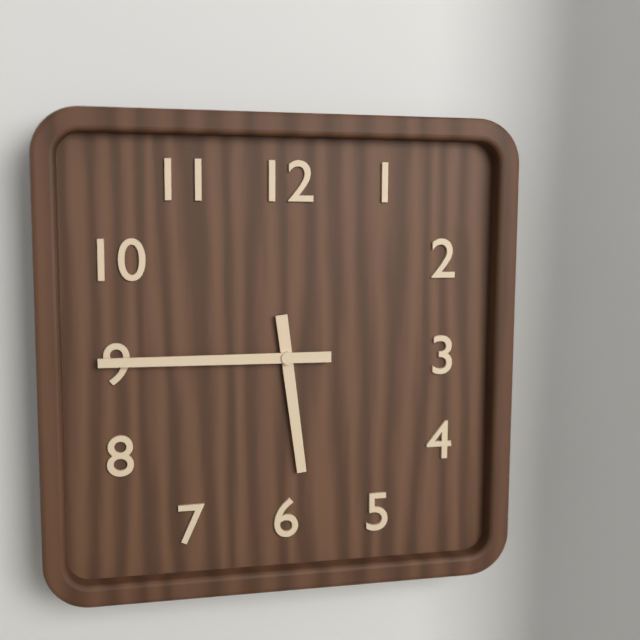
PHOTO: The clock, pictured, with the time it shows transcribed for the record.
5:45
